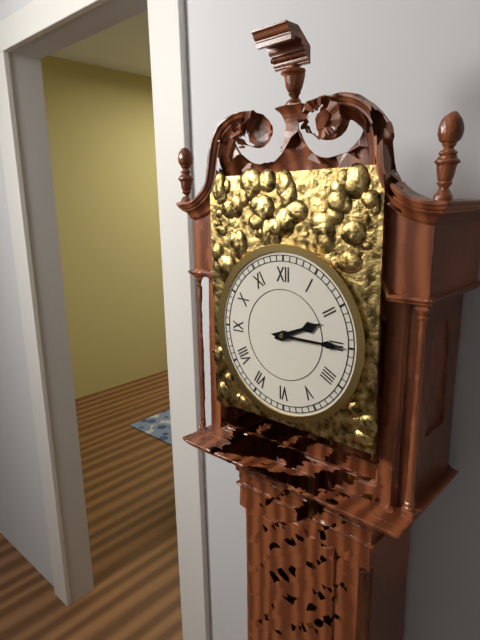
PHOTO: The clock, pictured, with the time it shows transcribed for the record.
2:15
